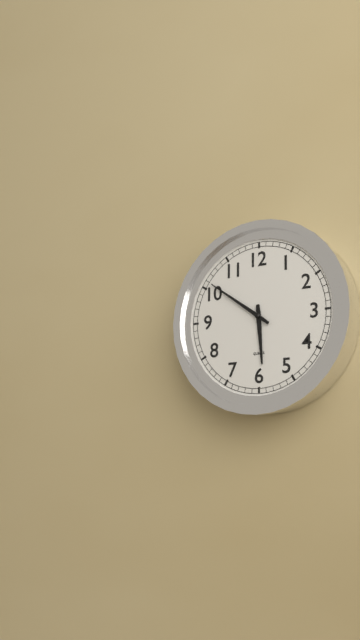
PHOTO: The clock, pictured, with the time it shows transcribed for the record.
5:51
